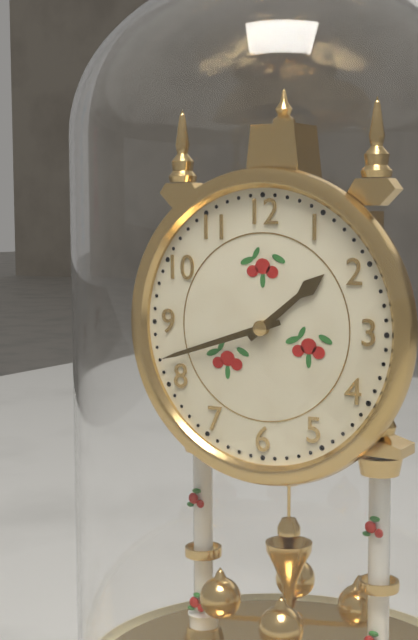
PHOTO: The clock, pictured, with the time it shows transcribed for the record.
1:42
